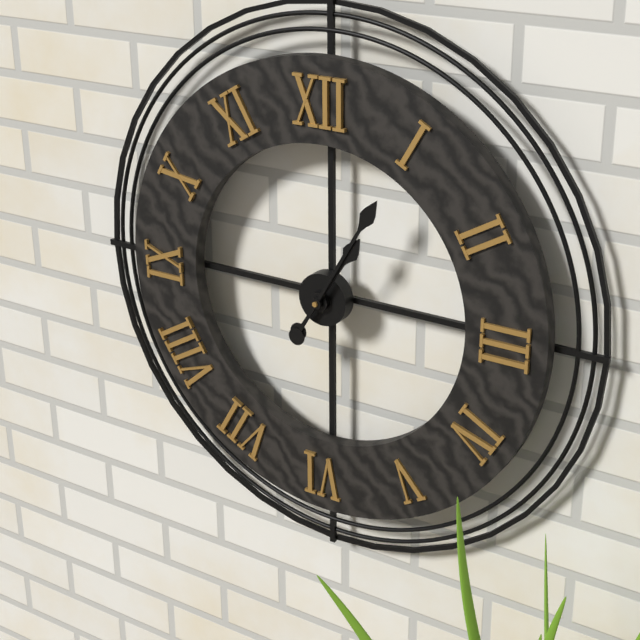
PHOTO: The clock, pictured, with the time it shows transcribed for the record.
1:05
